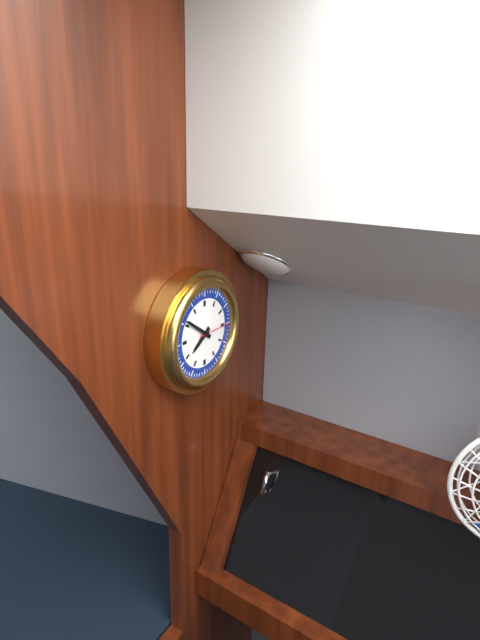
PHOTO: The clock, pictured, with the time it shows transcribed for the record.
7:51
